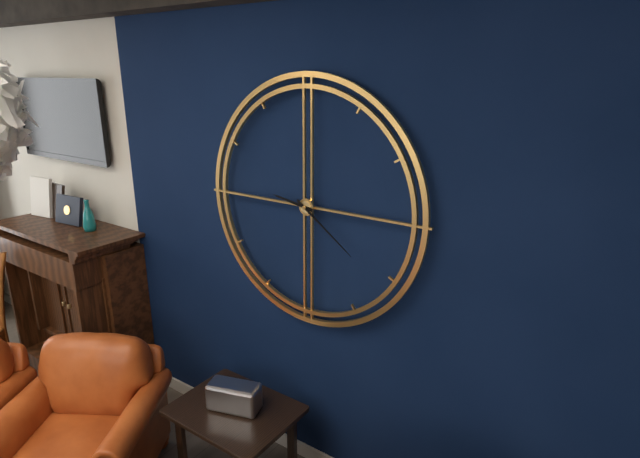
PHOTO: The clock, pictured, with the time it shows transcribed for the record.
9:21
